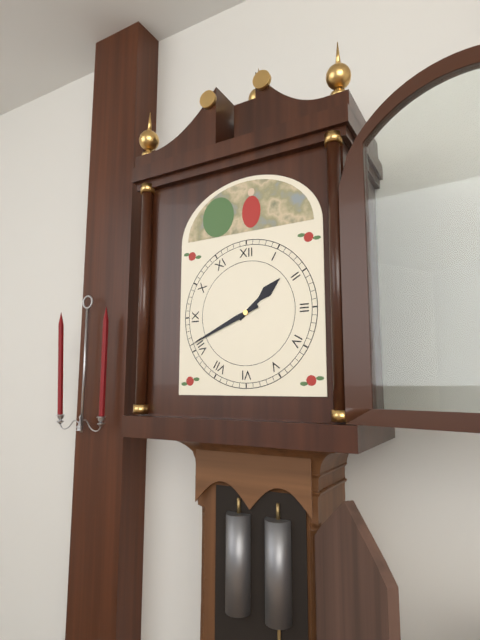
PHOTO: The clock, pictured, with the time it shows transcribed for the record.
1:41
